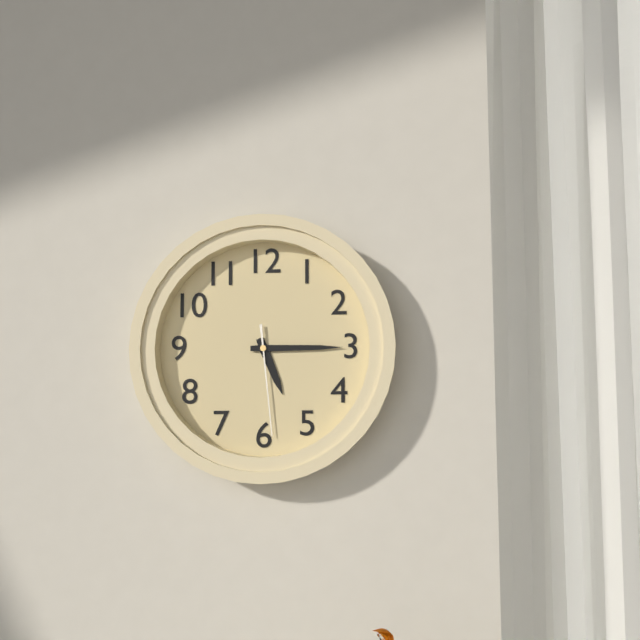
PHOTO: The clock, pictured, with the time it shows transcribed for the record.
5:15:29
